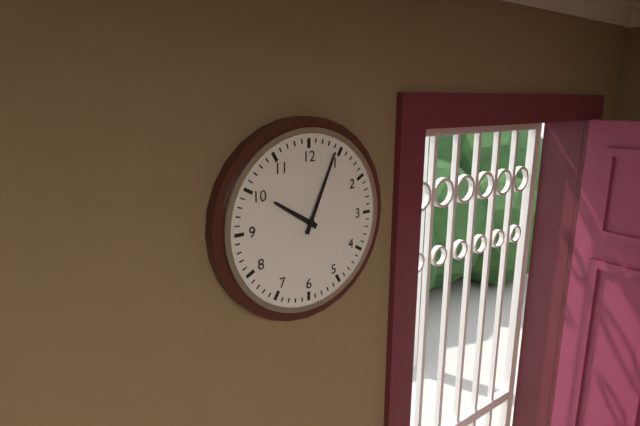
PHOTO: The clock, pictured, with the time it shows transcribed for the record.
10:04
